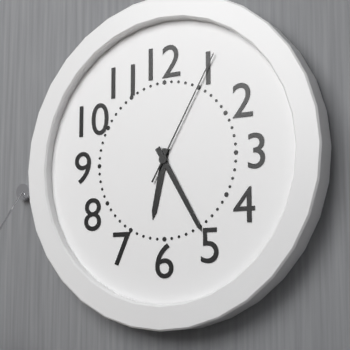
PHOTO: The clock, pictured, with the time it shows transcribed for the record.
6:25:05
